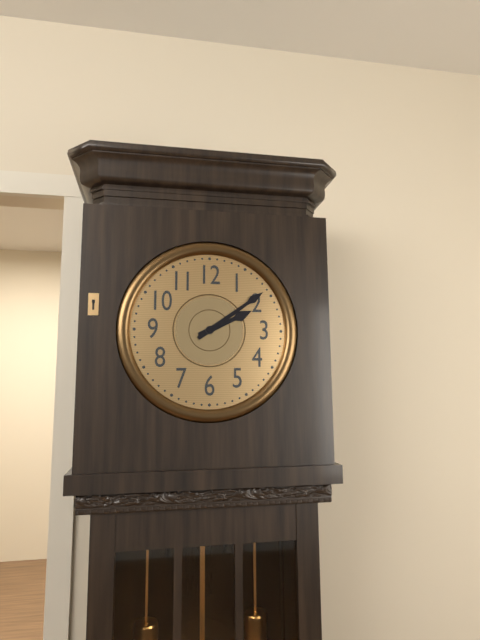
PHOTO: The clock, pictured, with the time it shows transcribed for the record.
2:09
